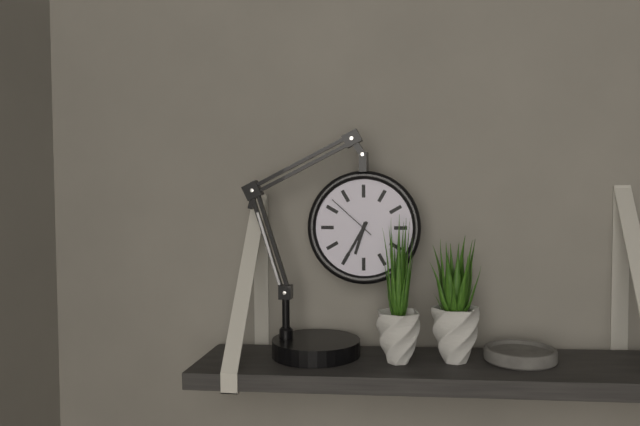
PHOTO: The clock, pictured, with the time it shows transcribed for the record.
6:35:52
